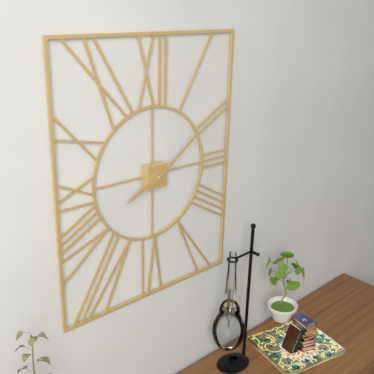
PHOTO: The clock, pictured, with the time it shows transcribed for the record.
8:09
